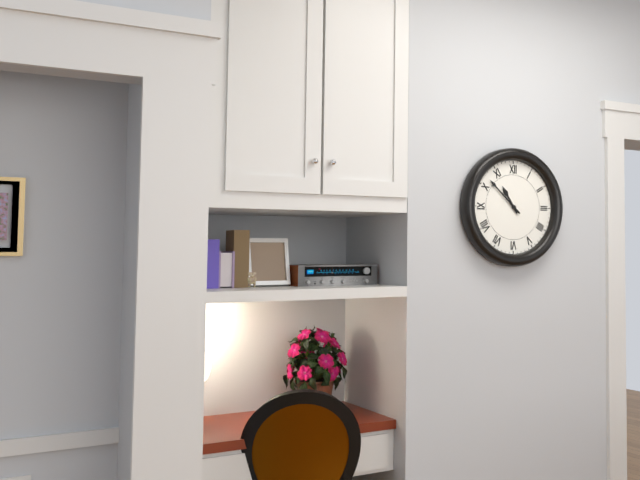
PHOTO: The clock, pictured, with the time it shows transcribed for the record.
10:52
